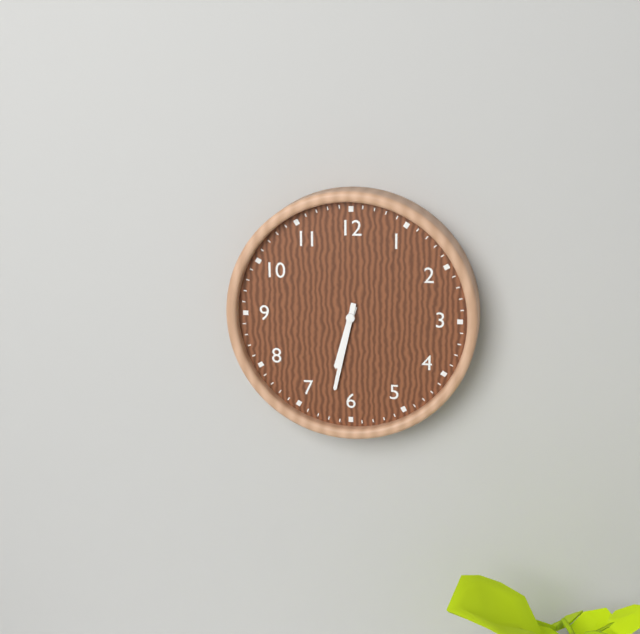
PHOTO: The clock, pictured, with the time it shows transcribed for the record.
6:32
